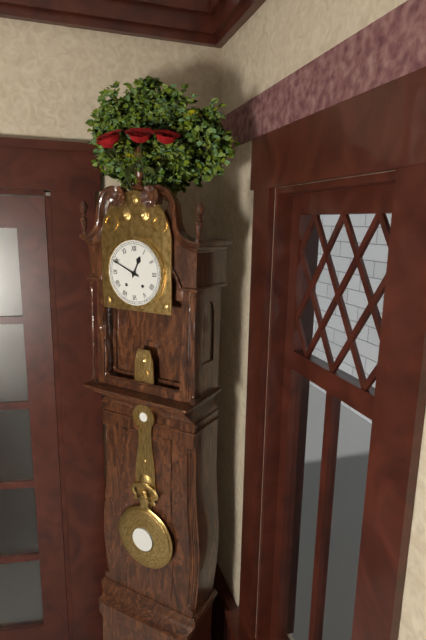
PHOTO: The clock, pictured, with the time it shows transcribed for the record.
12:49
